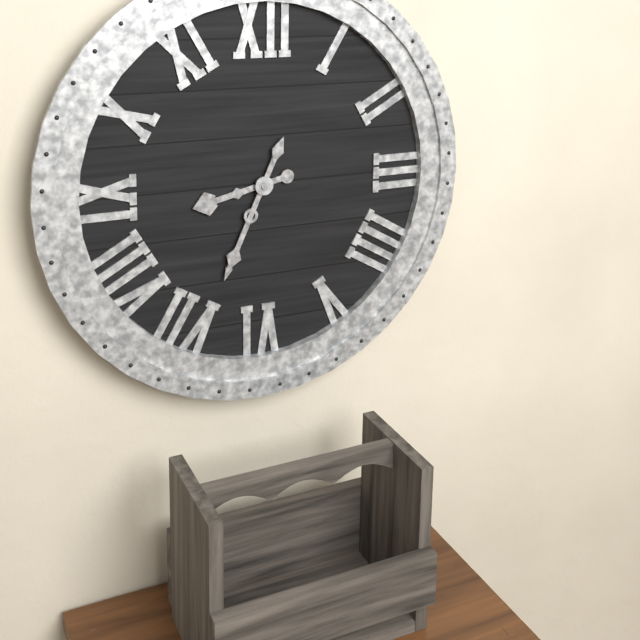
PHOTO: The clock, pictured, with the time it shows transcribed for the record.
8:34
